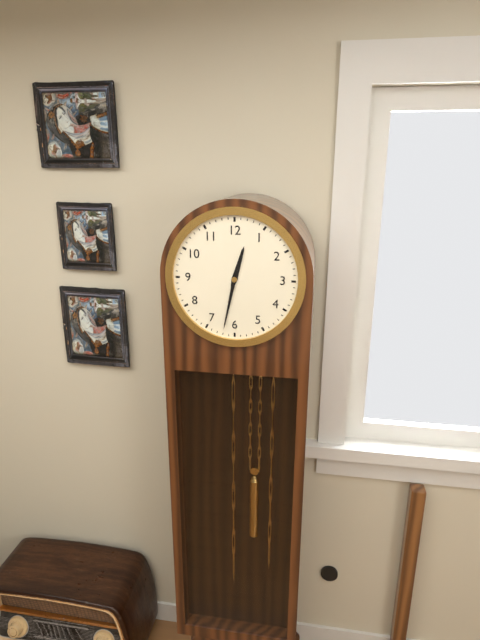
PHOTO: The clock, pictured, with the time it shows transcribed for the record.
12:32
